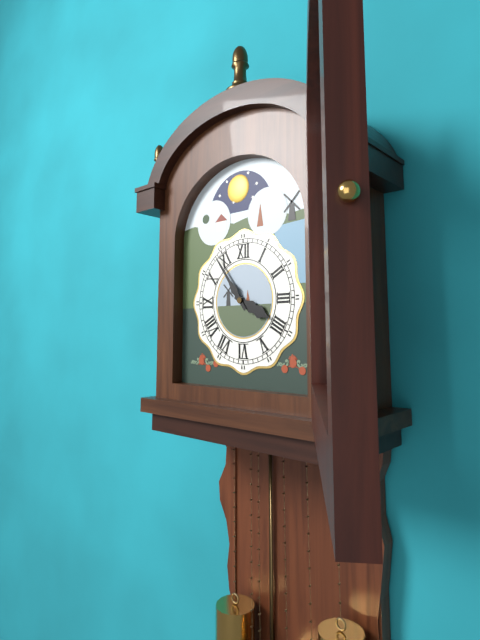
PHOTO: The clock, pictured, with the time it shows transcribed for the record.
3:54
